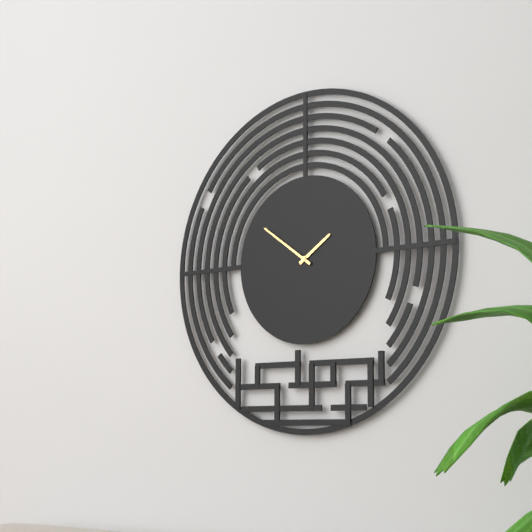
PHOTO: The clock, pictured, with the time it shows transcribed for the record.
1:51
